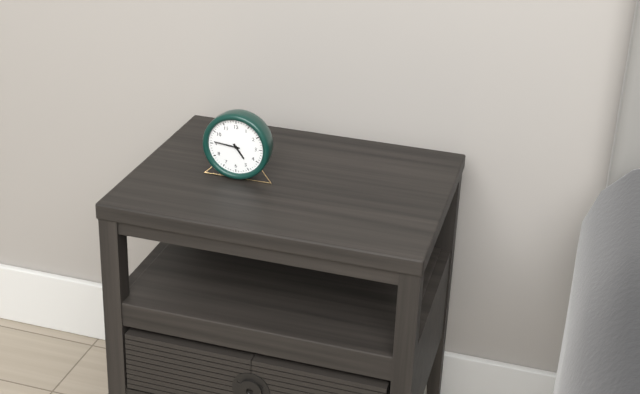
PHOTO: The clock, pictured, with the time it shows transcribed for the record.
4:46
